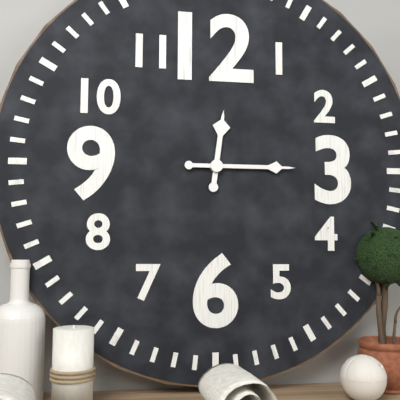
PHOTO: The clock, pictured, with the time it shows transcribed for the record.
12:15
